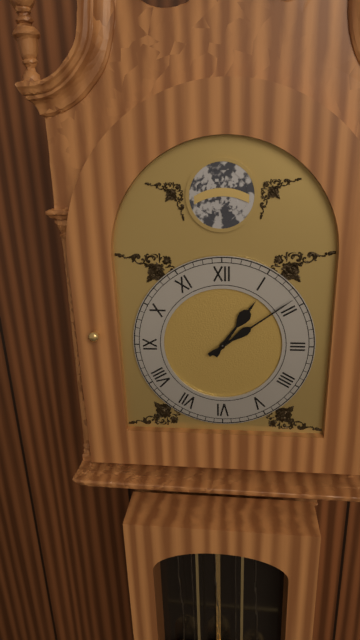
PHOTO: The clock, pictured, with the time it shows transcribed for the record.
1:09
